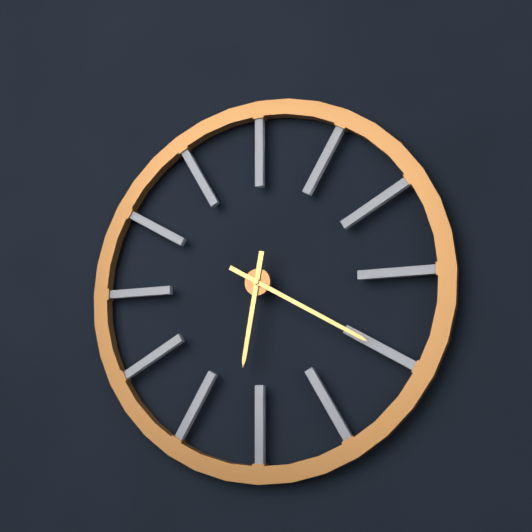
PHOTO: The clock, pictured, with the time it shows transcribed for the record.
6:20
